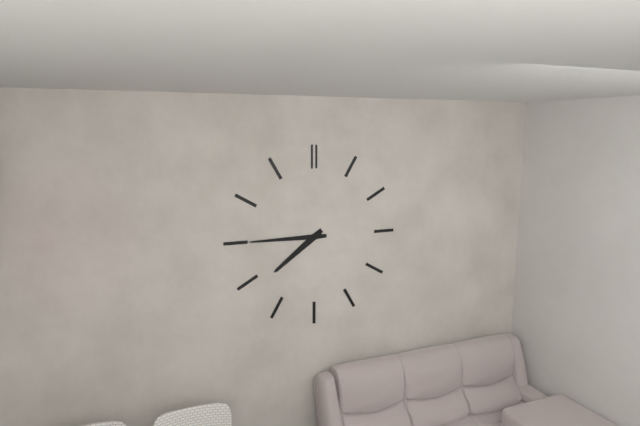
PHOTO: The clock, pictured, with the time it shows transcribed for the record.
7:45
